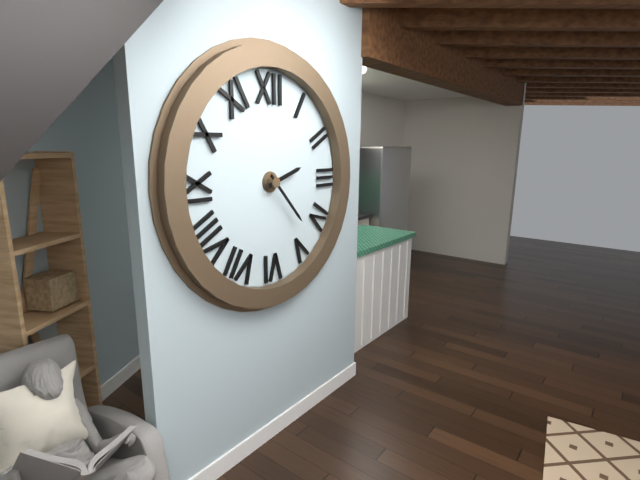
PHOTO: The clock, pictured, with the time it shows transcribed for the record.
2:23
